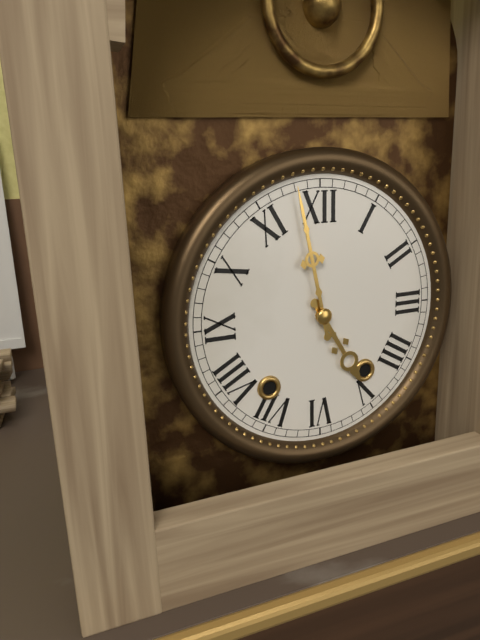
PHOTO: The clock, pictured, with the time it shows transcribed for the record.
4:58
